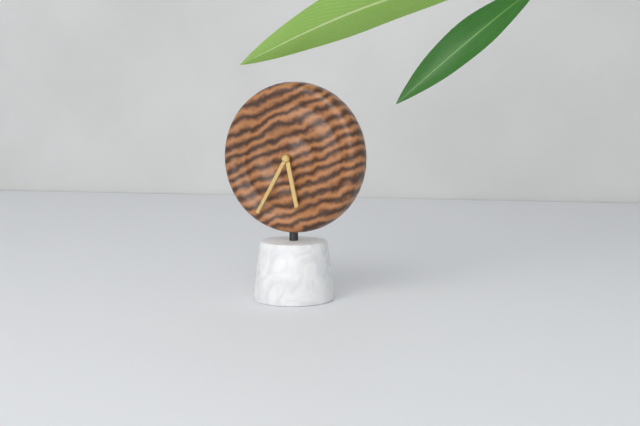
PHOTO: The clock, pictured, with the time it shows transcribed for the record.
5:35
